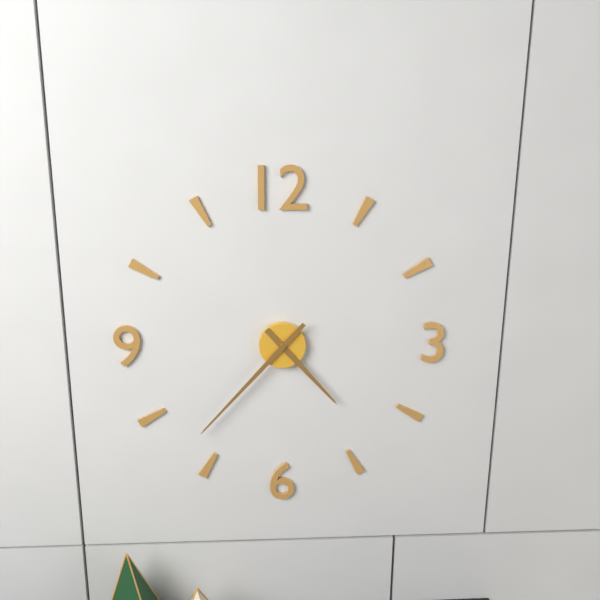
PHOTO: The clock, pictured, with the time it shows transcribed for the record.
4:37
